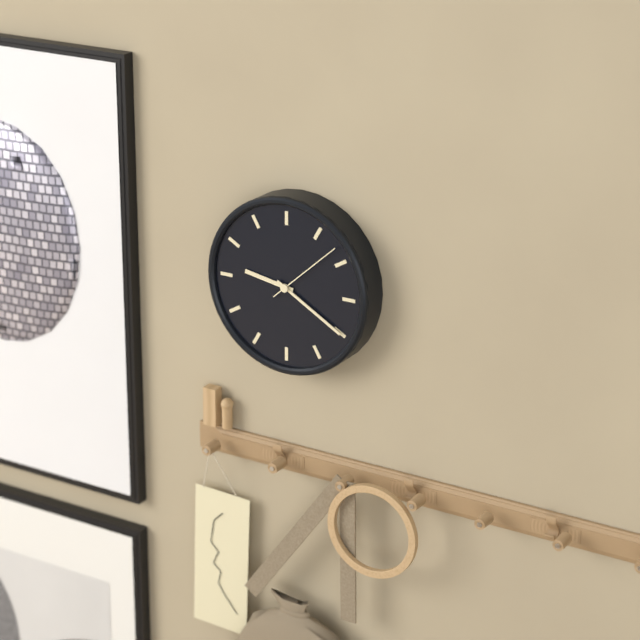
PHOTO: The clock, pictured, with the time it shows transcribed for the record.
9:20:08
